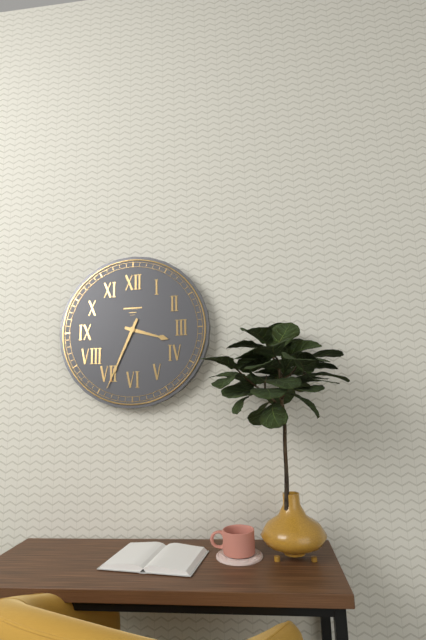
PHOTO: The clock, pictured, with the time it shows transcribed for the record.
3:34
